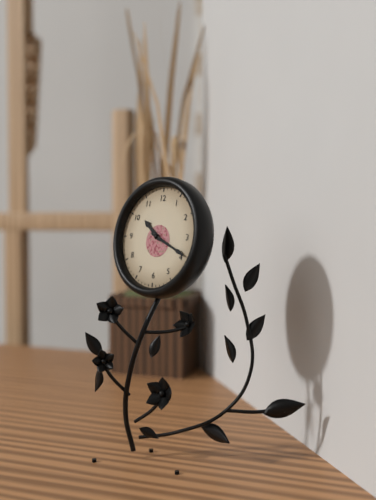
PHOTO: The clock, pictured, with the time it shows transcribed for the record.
10:19
